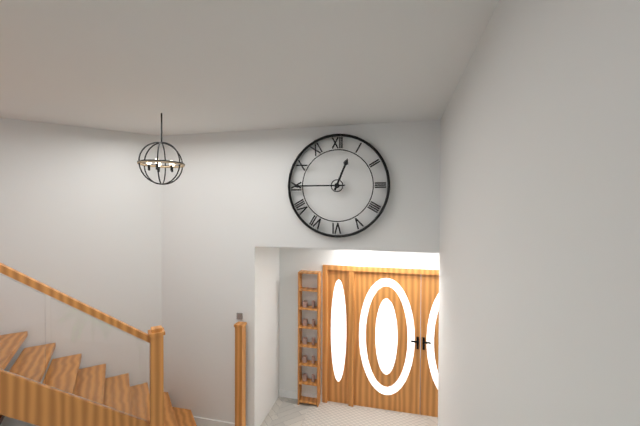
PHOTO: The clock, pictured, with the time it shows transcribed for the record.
12:45
